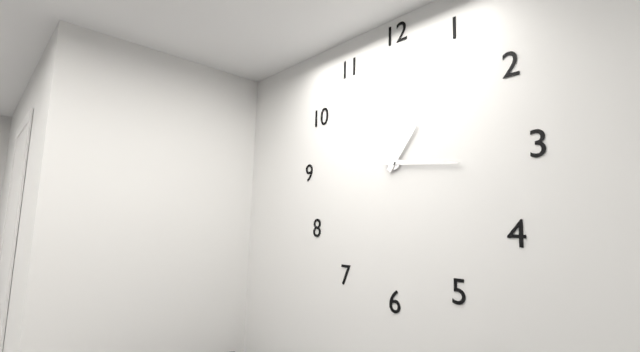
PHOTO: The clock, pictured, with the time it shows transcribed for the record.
1:16
